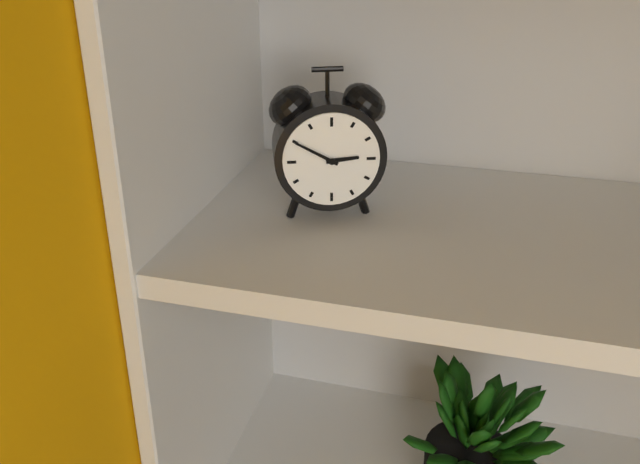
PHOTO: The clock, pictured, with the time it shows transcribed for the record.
2:50
